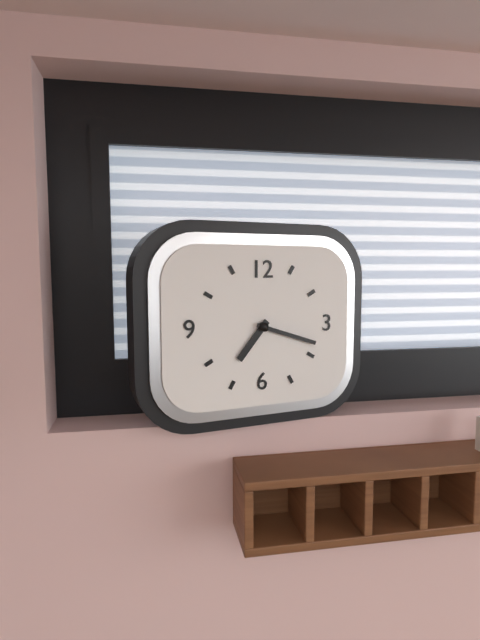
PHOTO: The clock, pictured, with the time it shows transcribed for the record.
7:18
